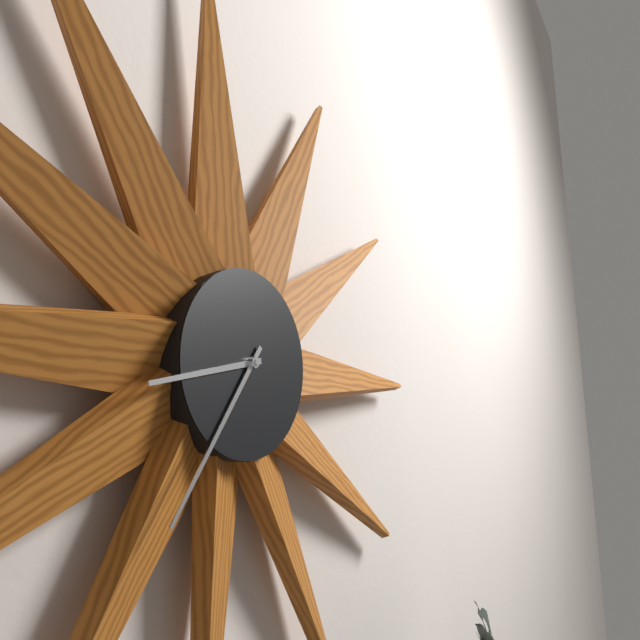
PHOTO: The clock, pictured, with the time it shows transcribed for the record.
8:36
